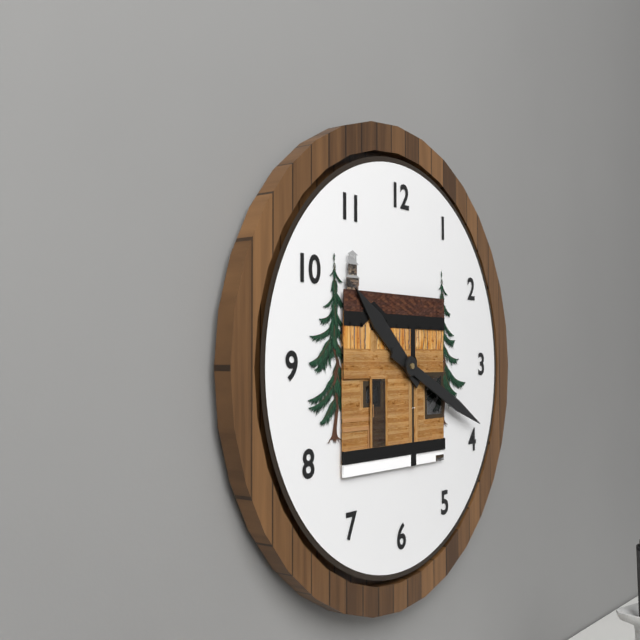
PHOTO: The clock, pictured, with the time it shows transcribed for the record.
10:19
